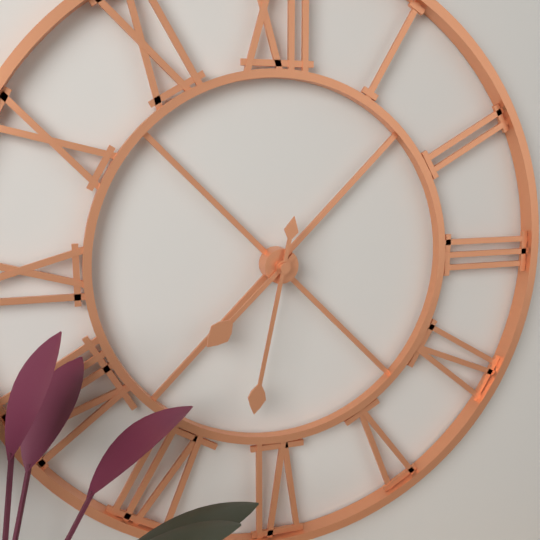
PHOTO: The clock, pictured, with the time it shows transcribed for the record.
7:32
